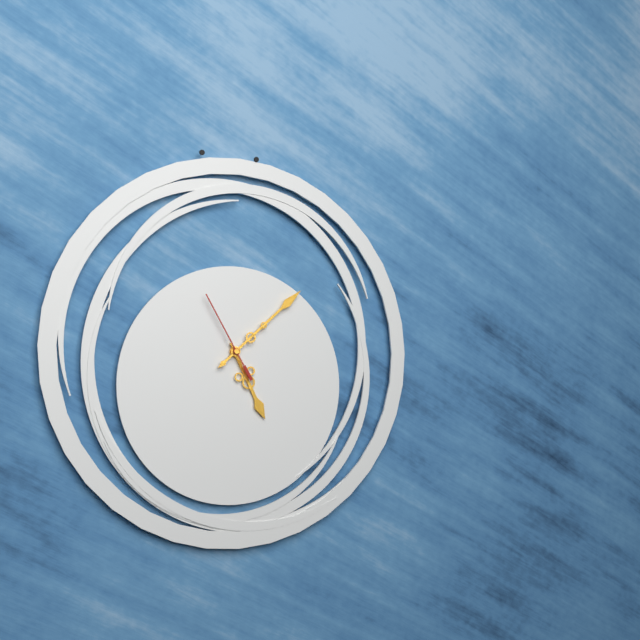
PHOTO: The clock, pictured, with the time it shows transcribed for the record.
5:08:55
